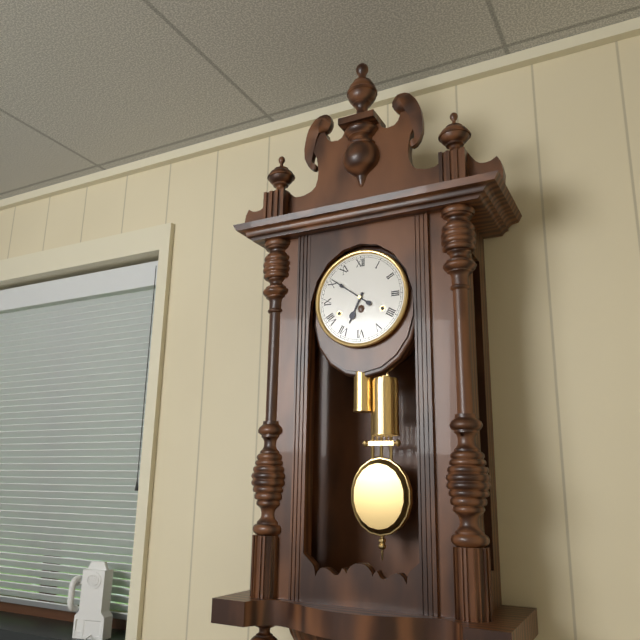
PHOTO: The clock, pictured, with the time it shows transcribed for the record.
6:51
